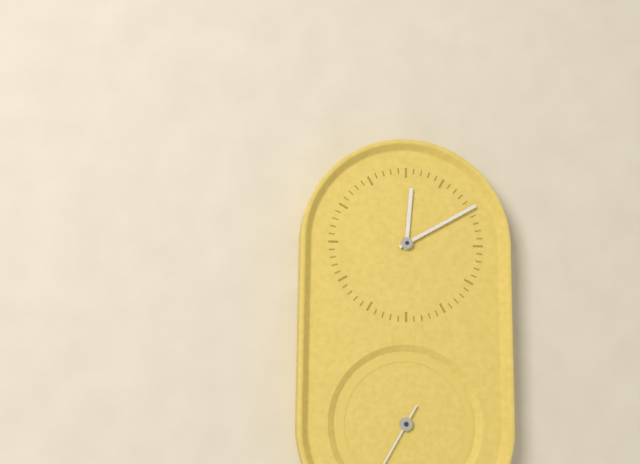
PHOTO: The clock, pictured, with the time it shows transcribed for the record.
12:10
